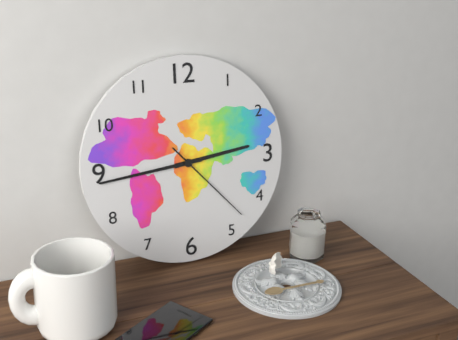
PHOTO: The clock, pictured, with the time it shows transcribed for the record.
2:44:23
